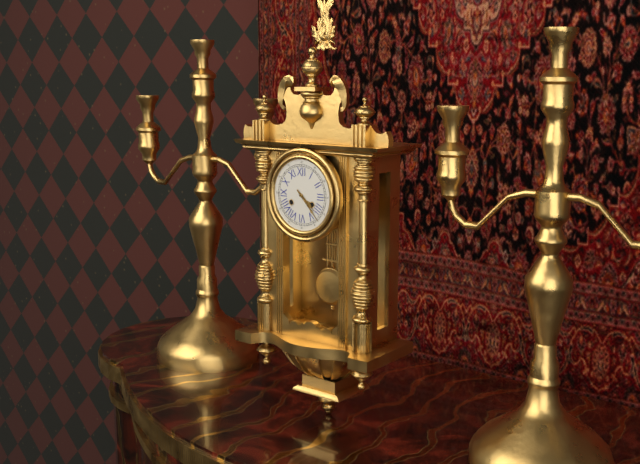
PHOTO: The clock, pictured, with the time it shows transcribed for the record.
4:23
